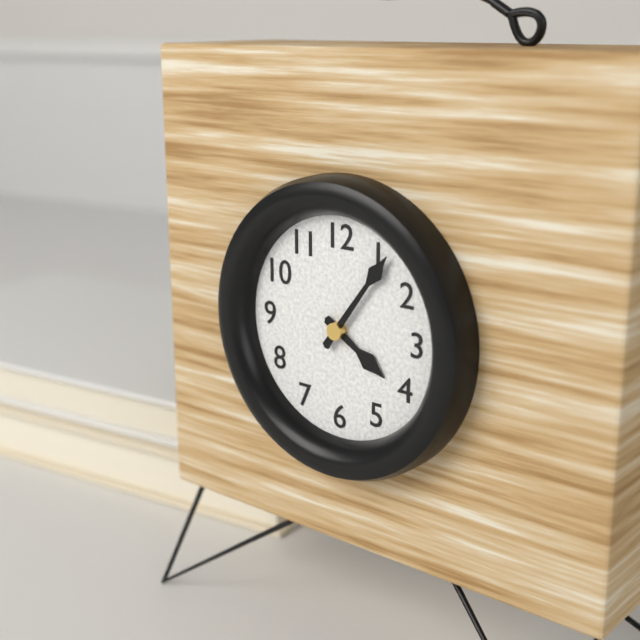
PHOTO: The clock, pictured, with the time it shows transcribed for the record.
4:06
